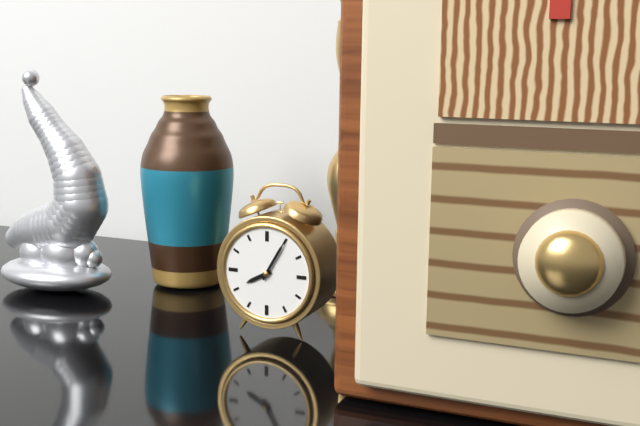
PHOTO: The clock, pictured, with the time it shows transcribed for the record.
8:05
